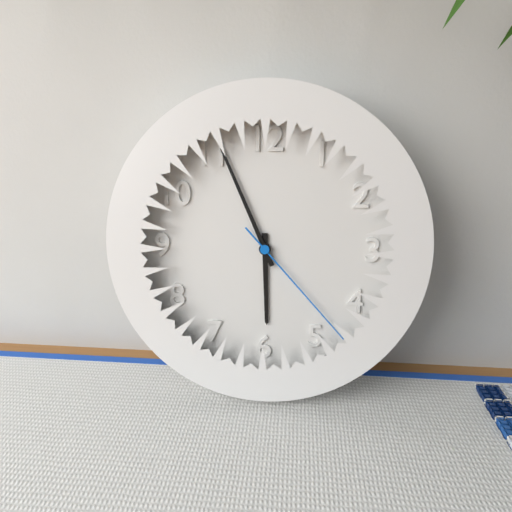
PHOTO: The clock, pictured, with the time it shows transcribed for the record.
5:56:23
